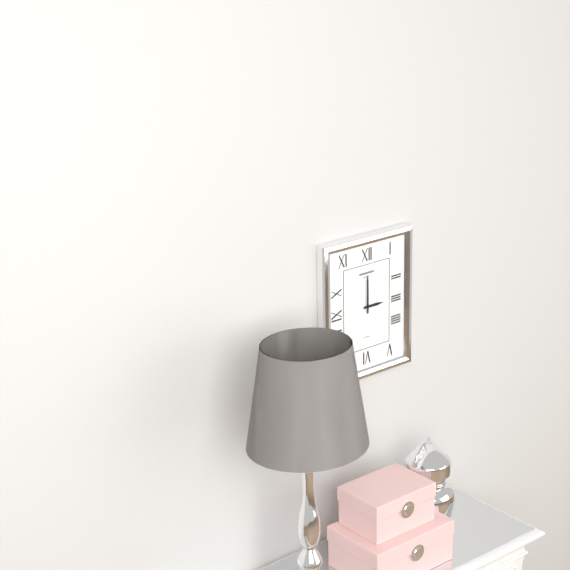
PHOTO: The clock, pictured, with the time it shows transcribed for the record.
3:00
